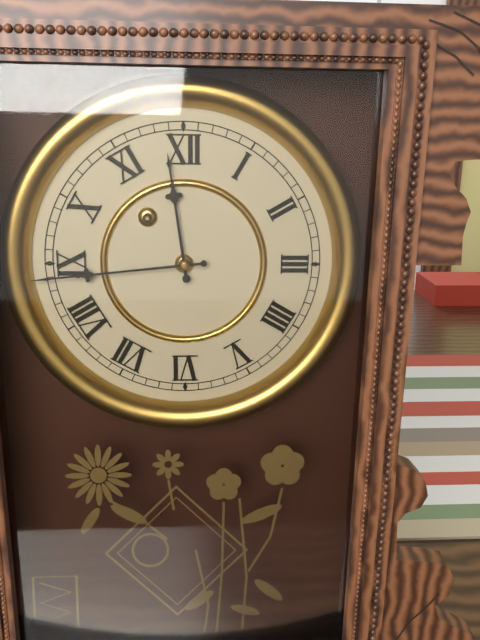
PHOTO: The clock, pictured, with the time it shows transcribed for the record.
11:44
